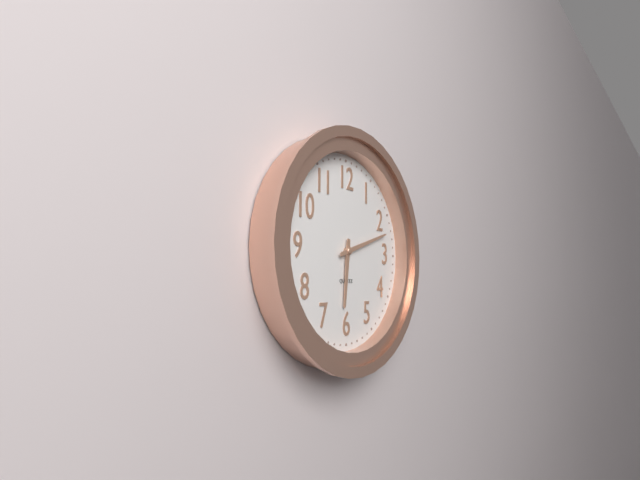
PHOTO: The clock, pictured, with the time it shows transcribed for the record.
6:12
